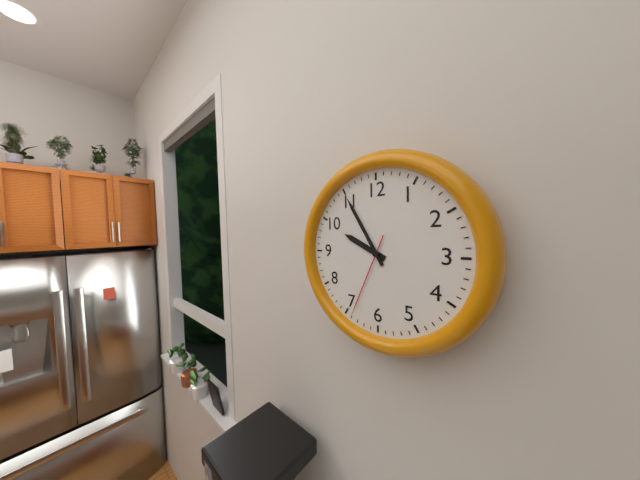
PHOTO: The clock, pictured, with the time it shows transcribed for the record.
9:55:34
